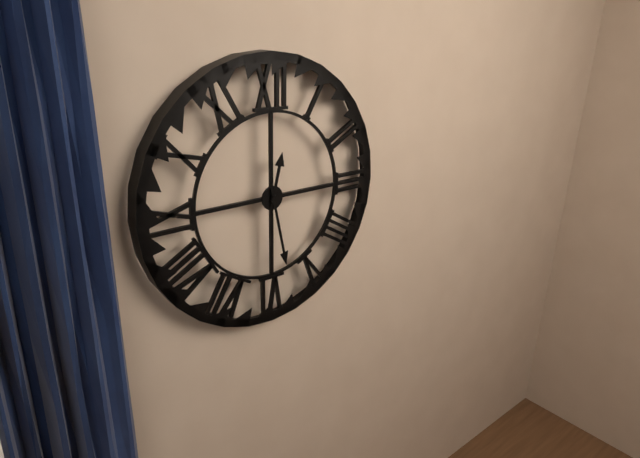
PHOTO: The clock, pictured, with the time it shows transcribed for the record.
12:28
